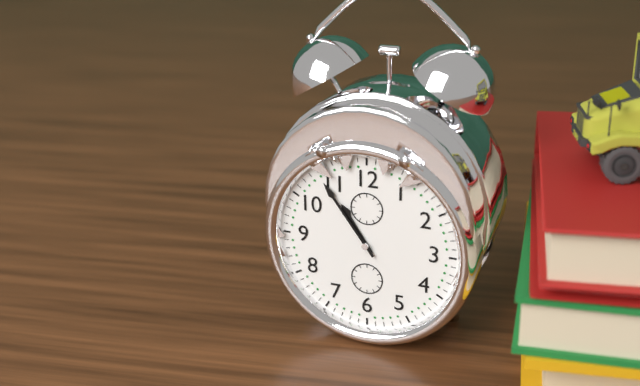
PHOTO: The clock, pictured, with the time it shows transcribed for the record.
10:54
